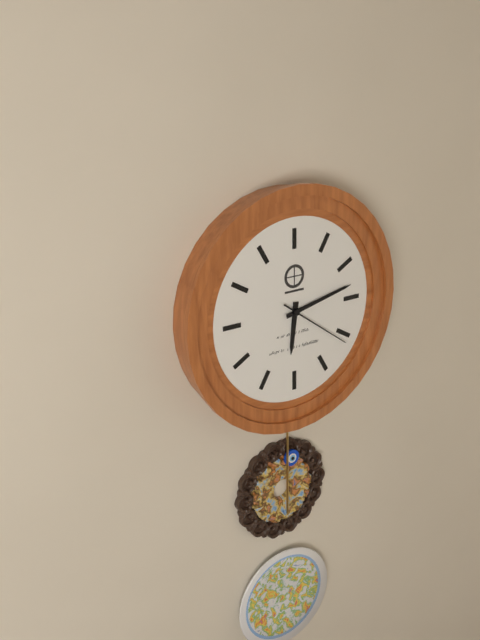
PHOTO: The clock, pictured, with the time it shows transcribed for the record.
6:13:21
